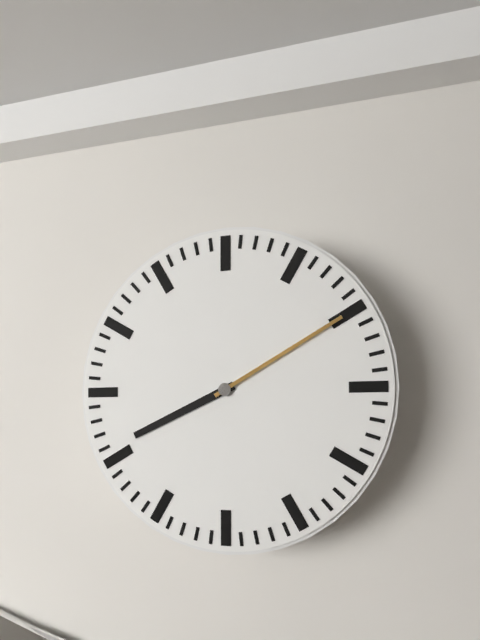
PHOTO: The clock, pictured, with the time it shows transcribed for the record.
8:10
